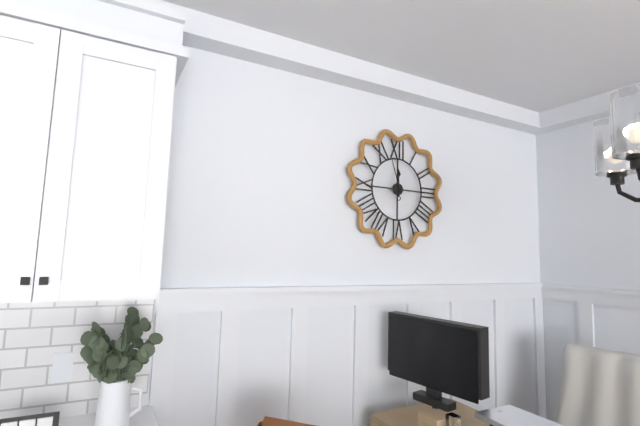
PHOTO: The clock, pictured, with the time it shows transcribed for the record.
11:57
